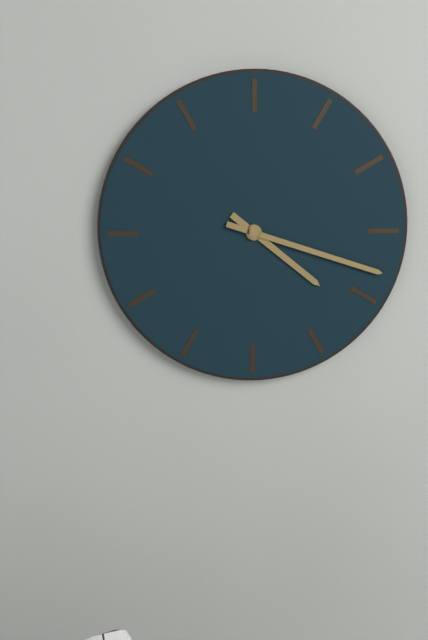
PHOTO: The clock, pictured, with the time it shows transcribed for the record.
4:18
